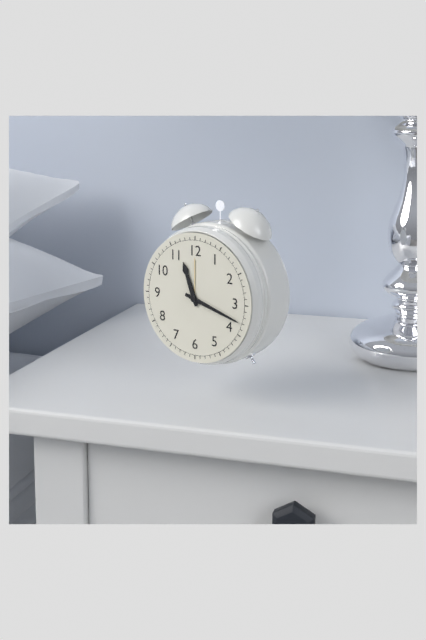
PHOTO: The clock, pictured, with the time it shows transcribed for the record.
11:18
